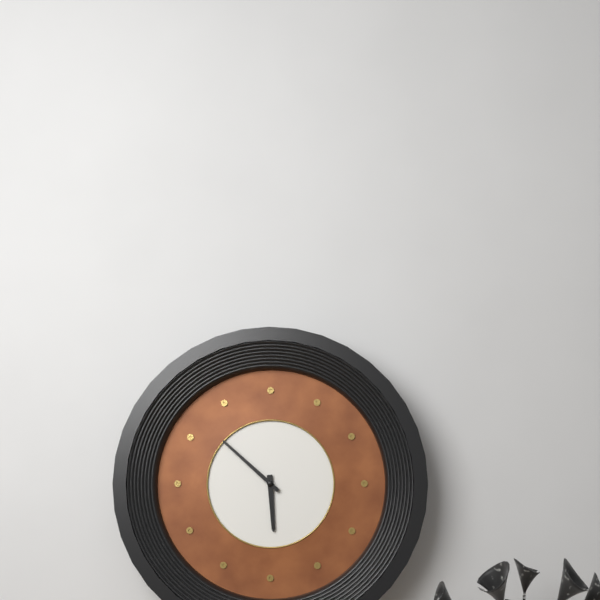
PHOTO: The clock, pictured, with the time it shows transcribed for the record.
5:52
